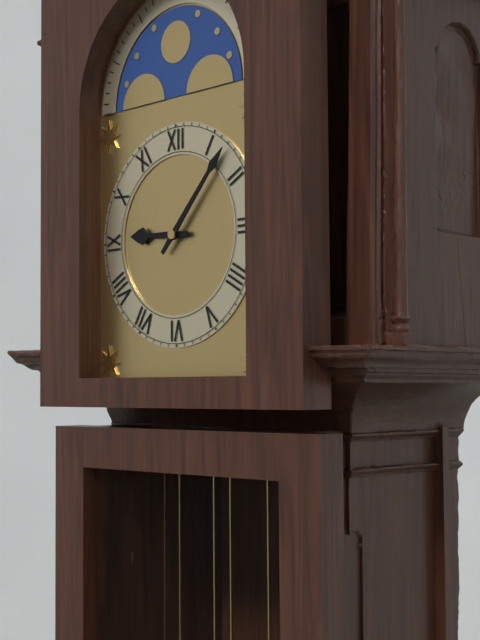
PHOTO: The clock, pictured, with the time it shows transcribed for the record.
9:07
